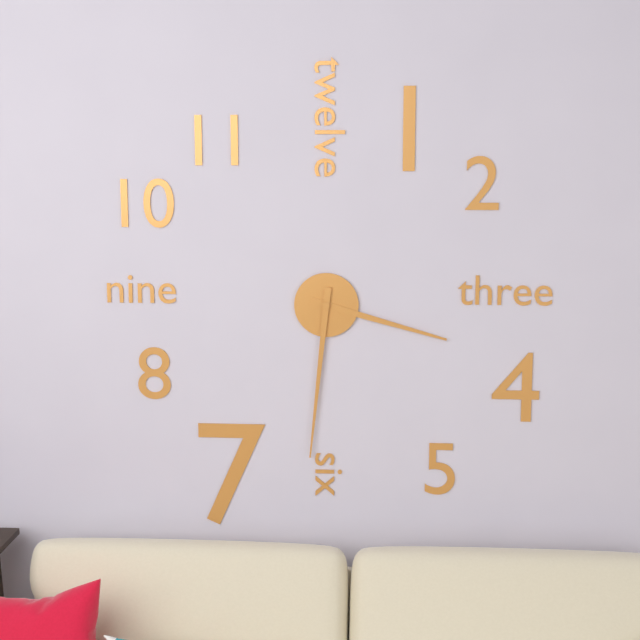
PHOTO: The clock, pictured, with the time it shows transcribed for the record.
3:31
